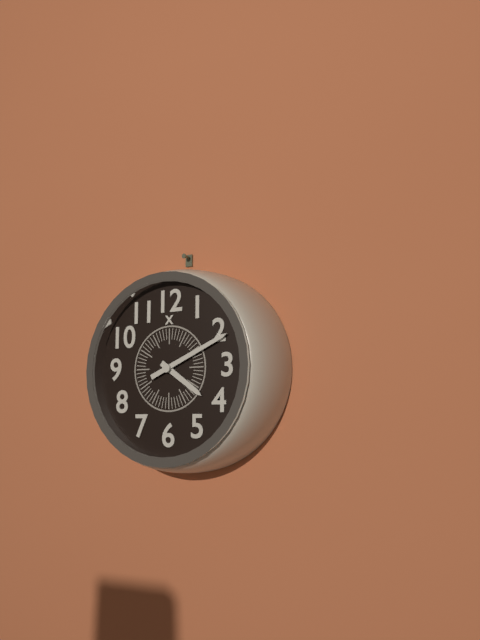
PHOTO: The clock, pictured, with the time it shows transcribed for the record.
4:11
